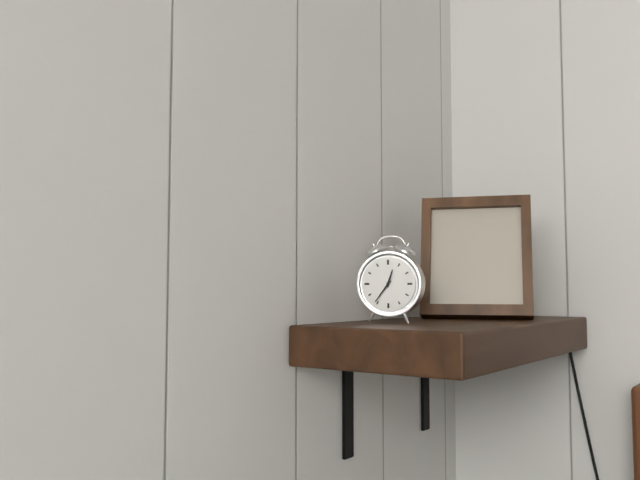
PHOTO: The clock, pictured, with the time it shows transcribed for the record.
12:36
